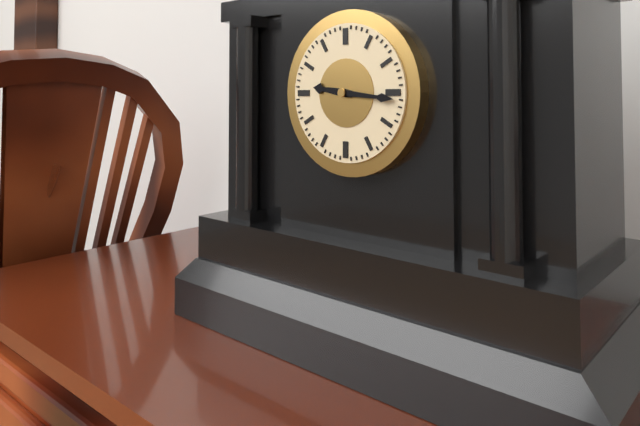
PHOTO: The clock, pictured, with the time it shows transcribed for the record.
9:16
